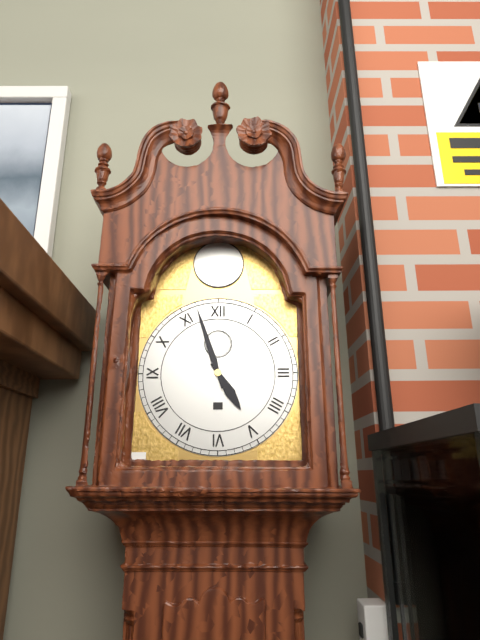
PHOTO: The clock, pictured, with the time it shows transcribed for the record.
4:57
